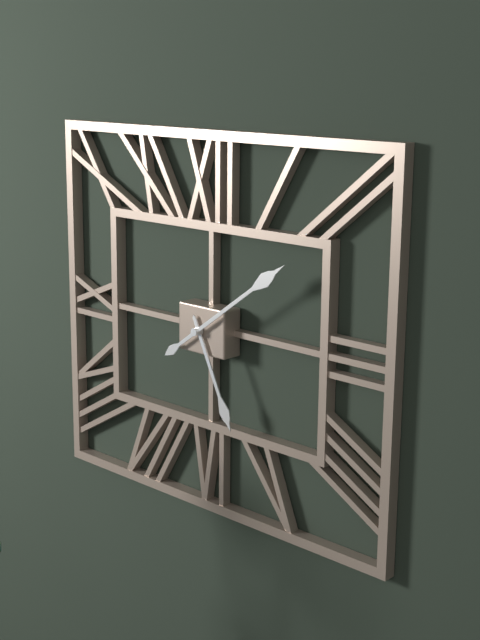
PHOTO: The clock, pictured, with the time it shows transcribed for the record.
5:09
